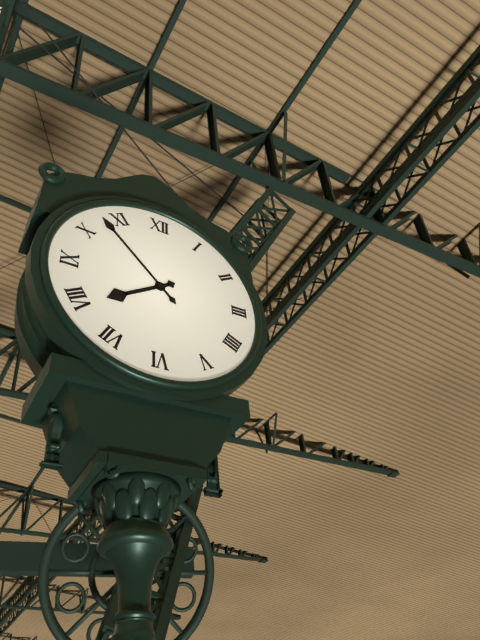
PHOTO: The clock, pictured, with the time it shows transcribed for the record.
7:53
